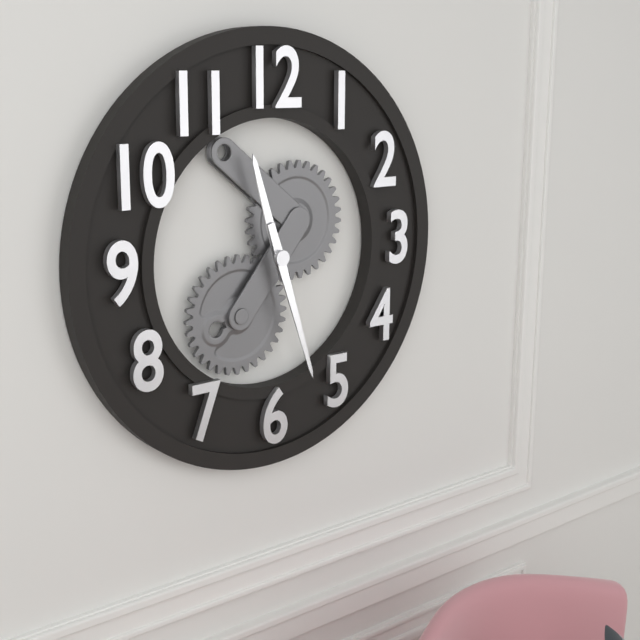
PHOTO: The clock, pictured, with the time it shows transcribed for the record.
11:27
